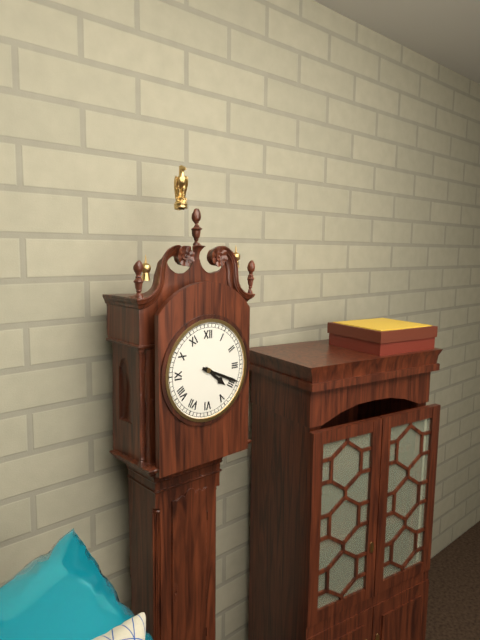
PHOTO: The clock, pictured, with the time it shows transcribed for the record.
4:19
